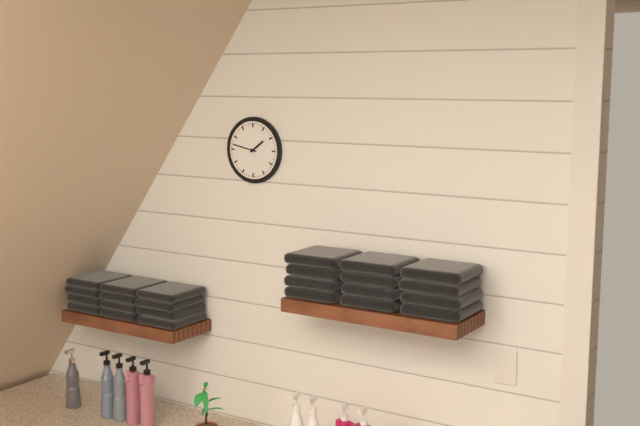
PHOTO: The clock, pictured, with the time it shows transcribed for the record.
1:47
